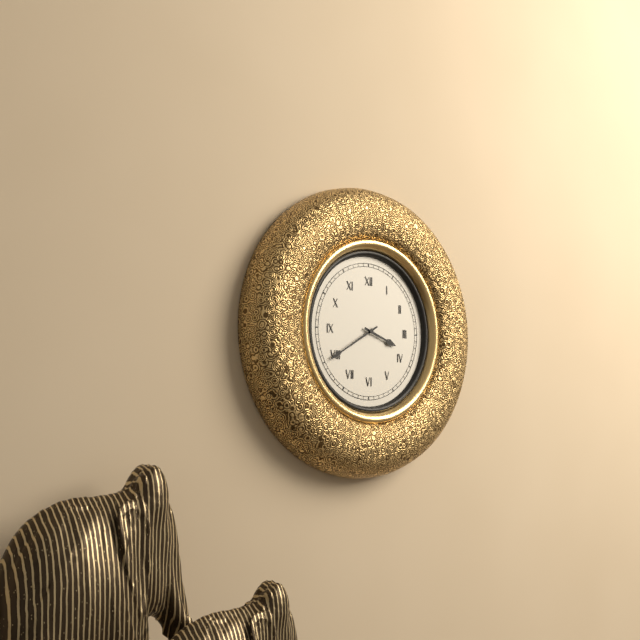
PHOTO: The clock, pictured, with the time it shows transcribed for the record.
3:40
